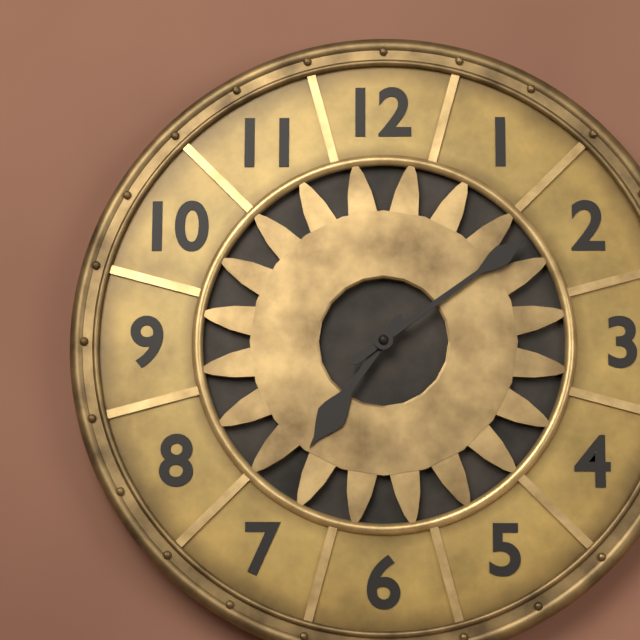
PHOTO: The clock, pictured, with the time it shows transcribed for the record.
7:09
